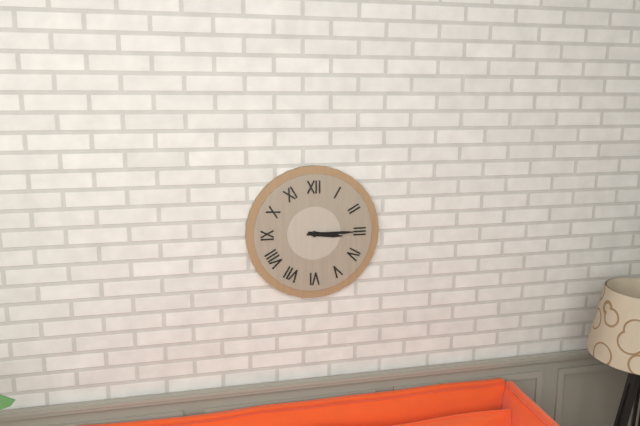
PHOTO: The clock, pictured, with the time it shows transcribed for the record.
3:15
